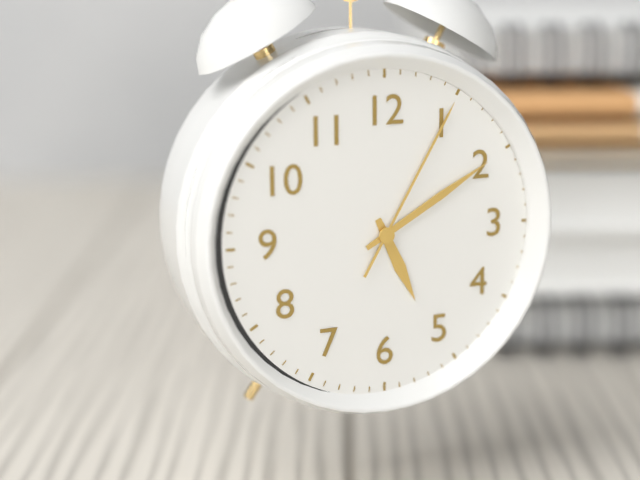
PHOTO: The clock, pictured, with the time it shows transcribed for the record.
5:10:05
